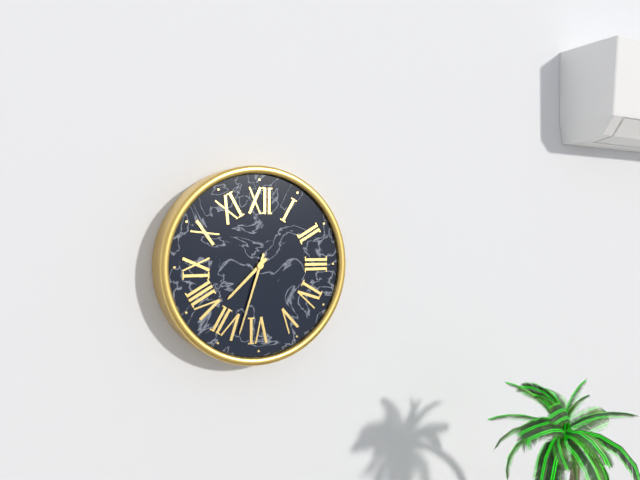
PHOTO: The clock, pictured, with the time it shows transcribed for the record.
7:33
